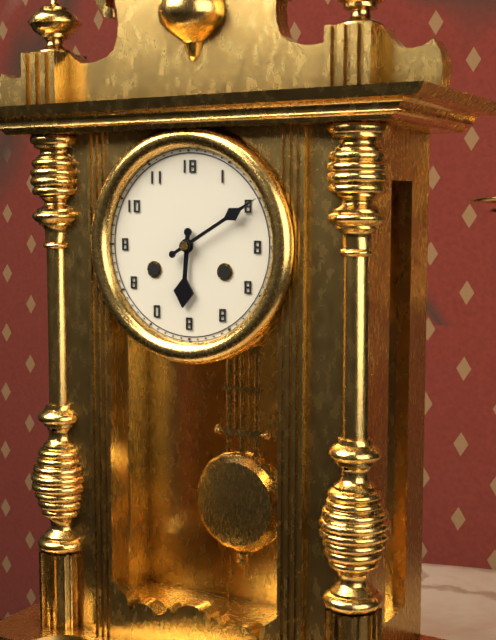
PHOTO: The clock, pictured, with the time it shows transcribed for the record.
6:10
